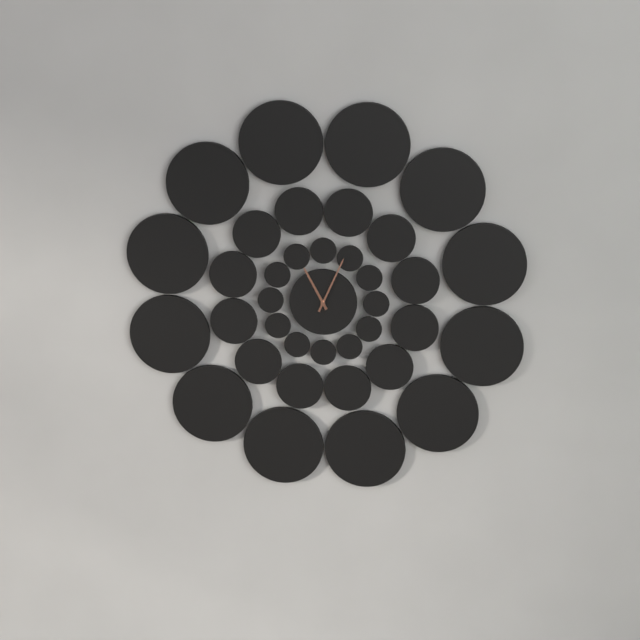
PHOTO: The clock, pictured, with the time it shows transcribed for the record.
11:04
